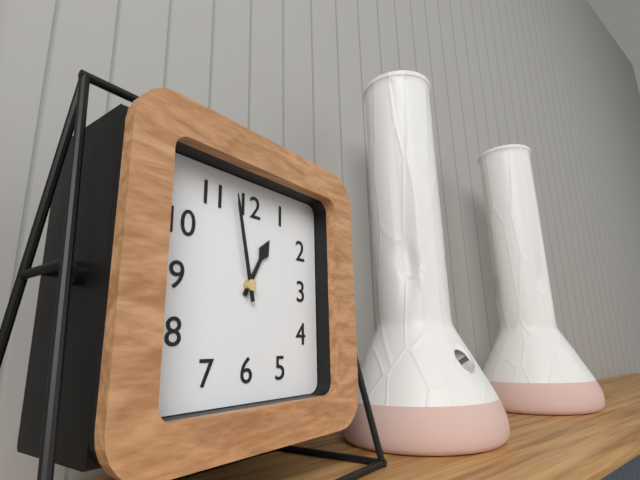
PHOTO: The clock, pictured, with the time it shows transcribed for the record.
12:58
